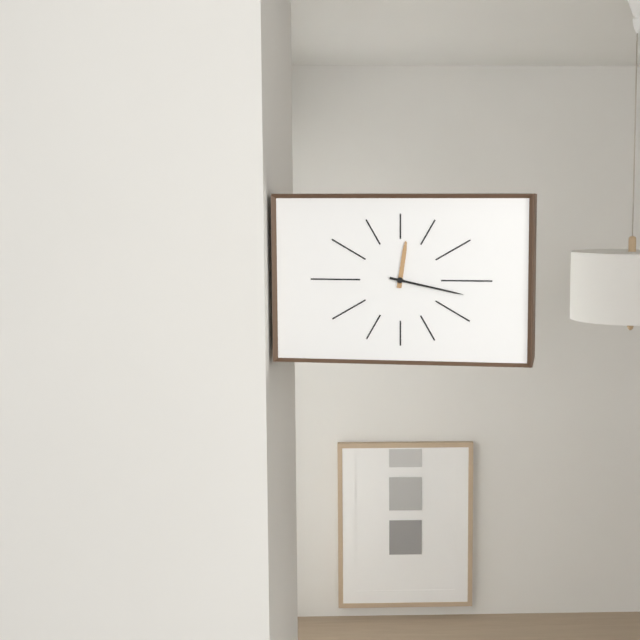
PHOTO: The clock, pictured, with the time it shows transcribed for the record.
12:17
